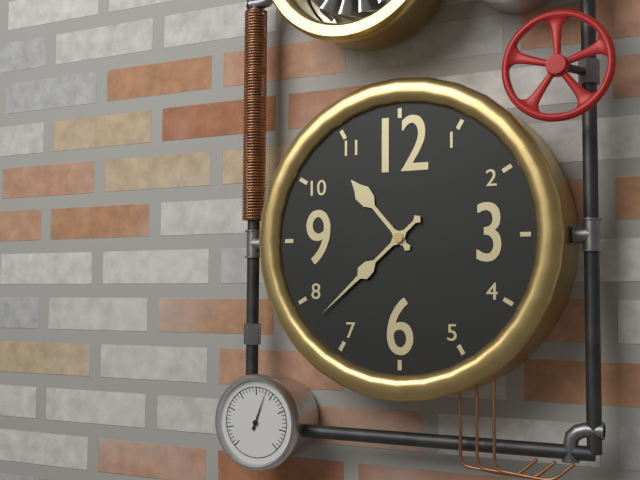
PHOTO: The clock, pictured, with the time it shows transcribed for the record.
10:38
